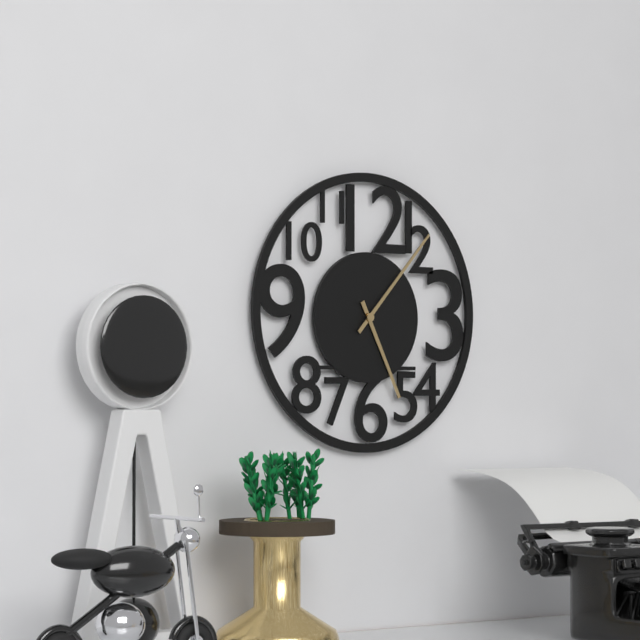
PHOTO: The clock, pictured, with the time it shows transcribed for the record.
5:07
